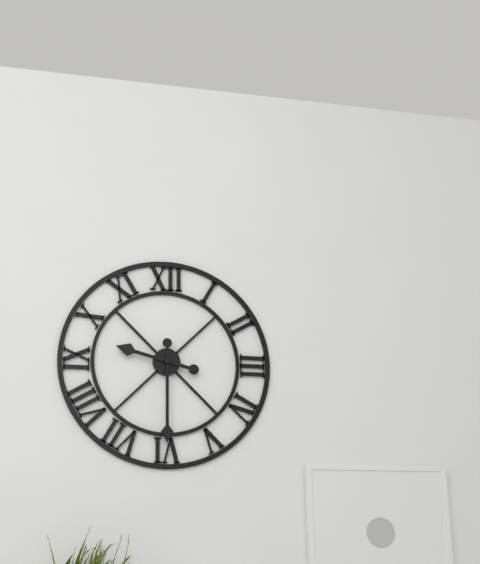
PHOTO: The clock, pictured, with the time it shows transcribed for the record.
9:30
